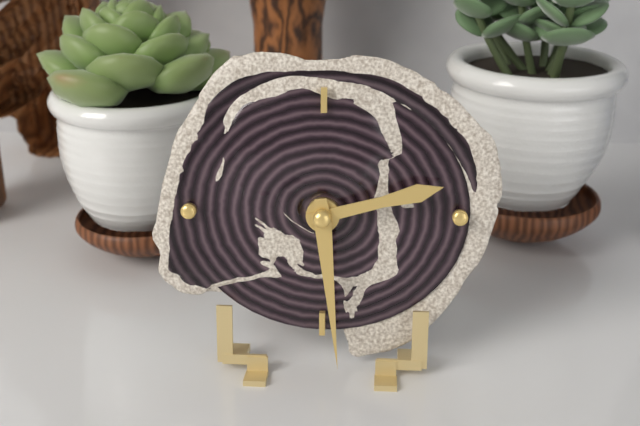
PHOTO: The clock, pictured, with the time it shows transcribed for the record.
2:29
